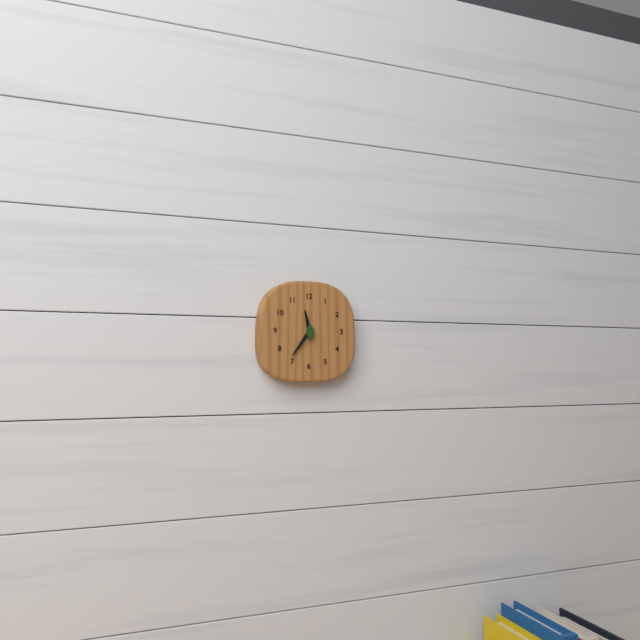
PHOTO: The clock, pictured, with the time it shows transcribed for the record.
11:36
